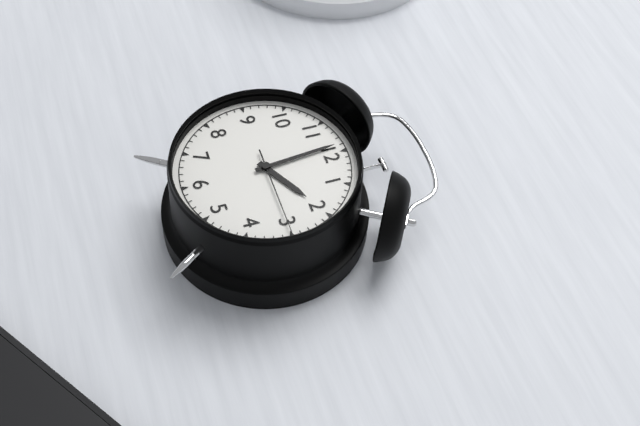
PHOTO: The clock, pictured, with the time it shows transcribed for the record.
1:59:15
